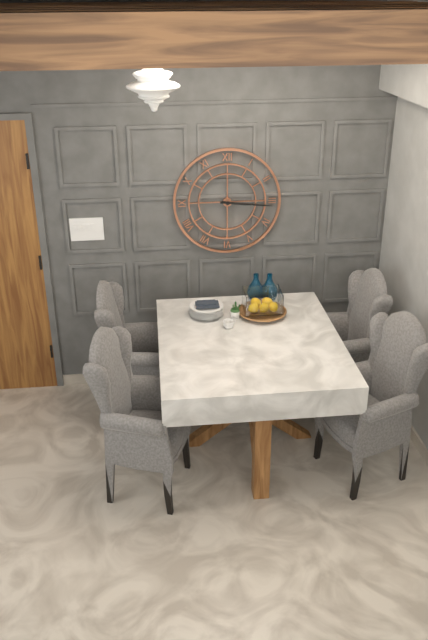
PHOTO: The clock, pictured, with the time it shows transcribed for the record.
3:16
